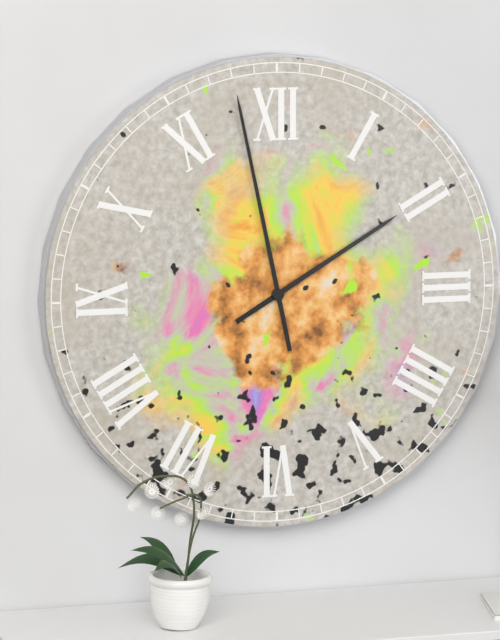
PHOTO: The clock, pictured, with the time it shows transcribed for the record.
1:58
